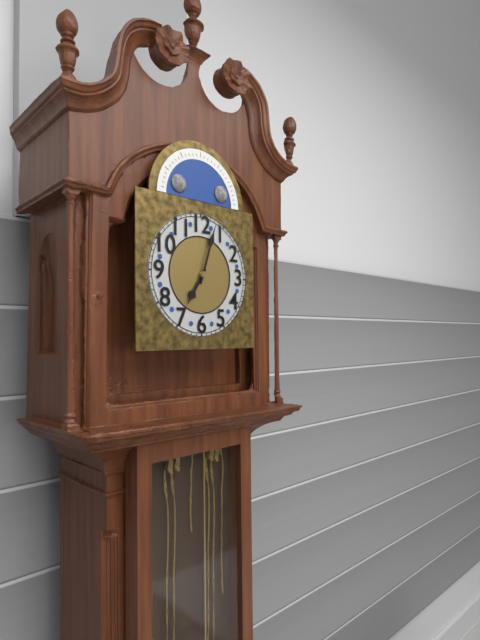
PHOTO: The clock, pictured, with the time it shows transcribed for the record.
7:03
